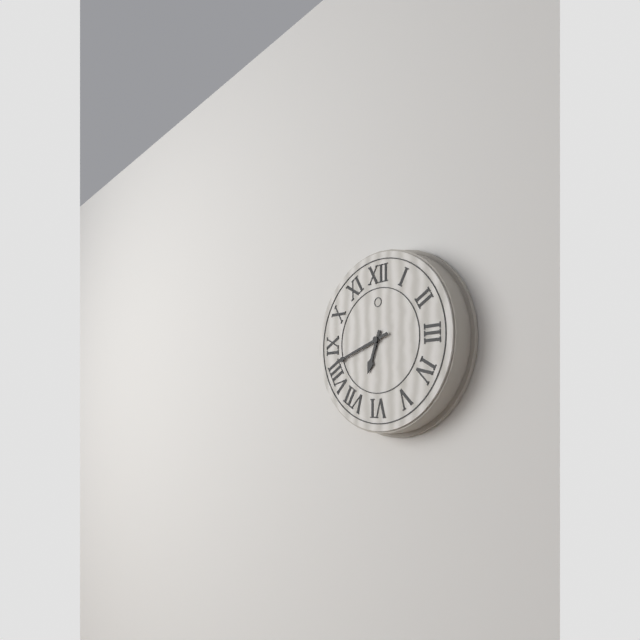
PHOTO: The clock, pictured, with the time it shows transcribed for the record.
6:42
